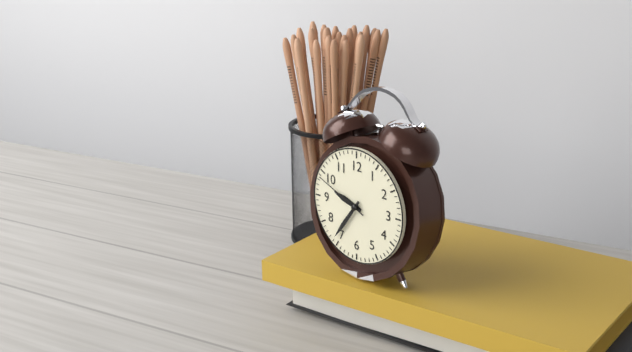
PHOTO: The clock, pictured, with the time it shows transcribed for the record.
9:36:49
